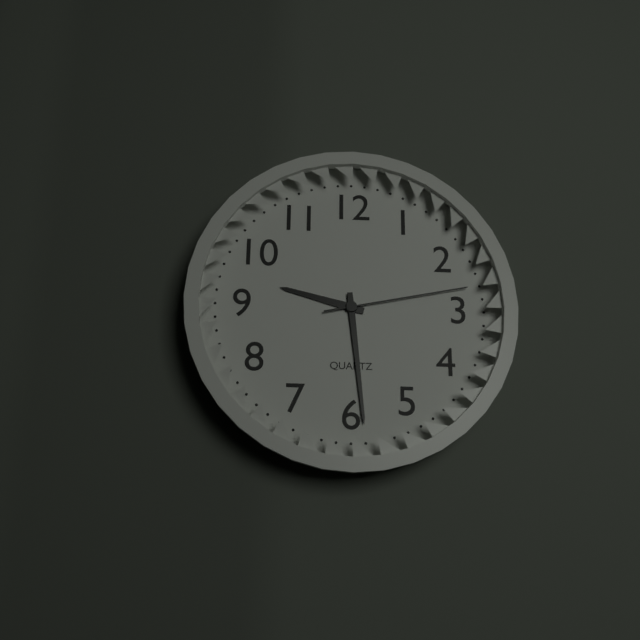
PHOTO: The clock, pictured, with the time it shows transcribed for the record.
9:29:13
